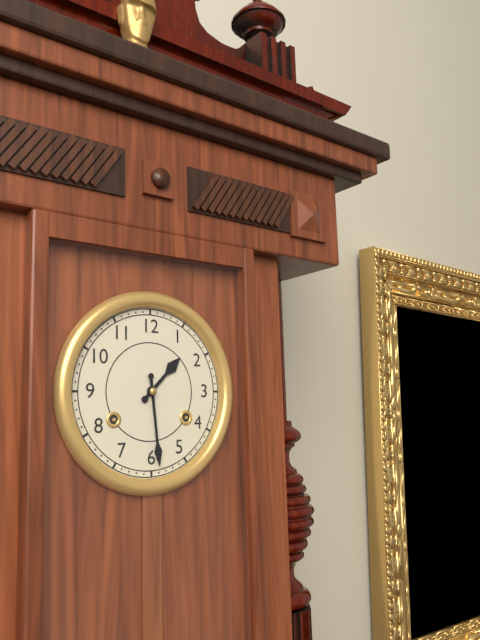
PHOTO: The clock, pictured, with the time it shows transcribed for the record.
1:29
